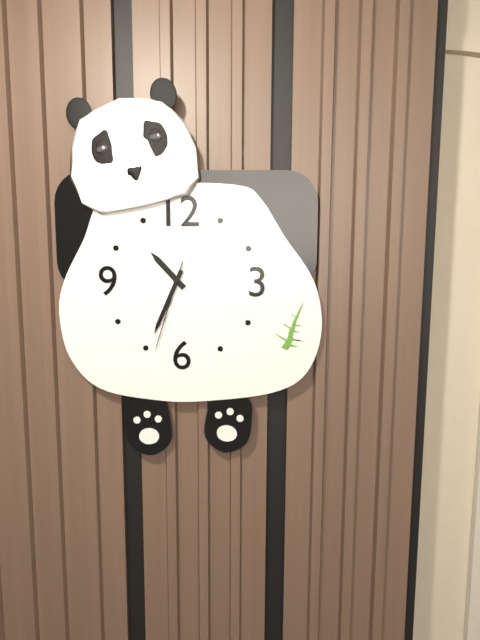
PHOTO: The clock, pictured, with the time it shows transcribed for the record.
10:34:33
